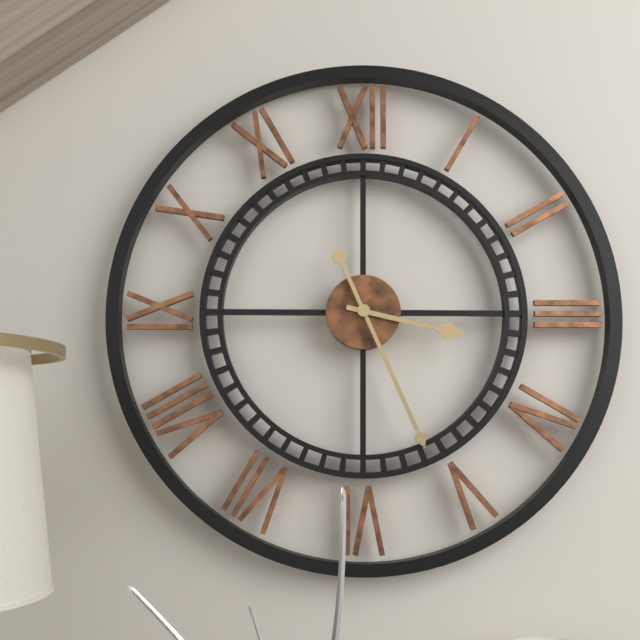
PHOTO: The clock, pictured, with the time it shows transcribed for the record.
3:26
